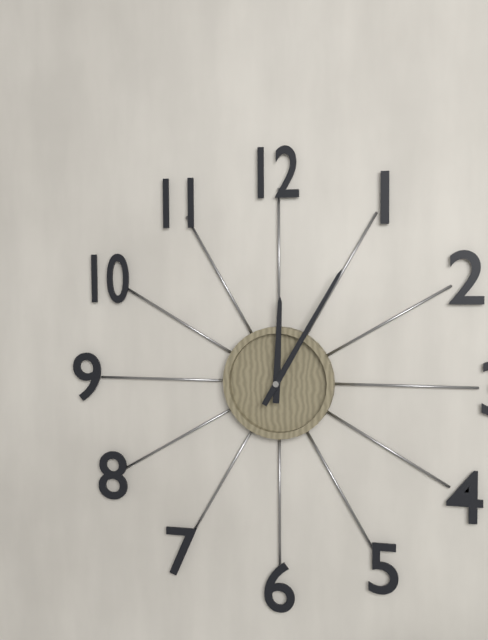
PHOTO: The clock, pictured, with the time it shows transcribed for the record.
12:05
